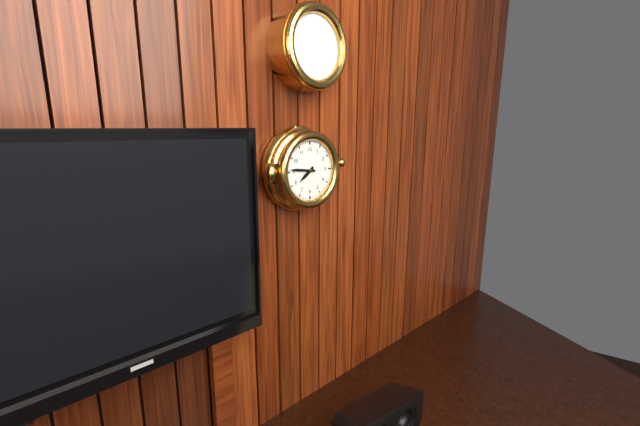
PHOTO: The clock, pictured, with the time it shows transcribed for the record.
7:46
